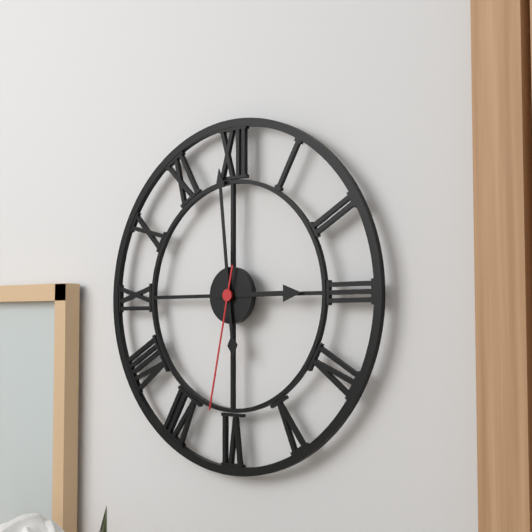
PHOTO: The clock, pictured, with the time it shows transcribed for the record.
2:59:32
